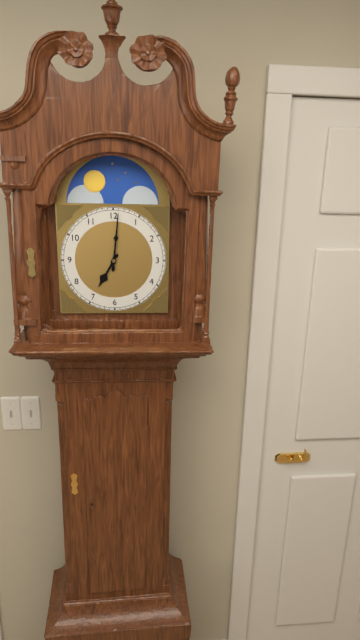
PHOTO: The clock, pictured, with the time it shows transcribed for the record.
7:01
